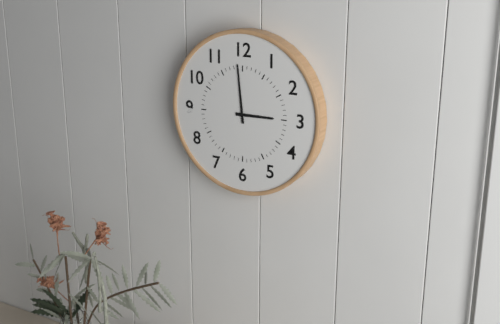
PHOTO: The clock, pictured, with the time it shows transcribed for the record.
2:59
